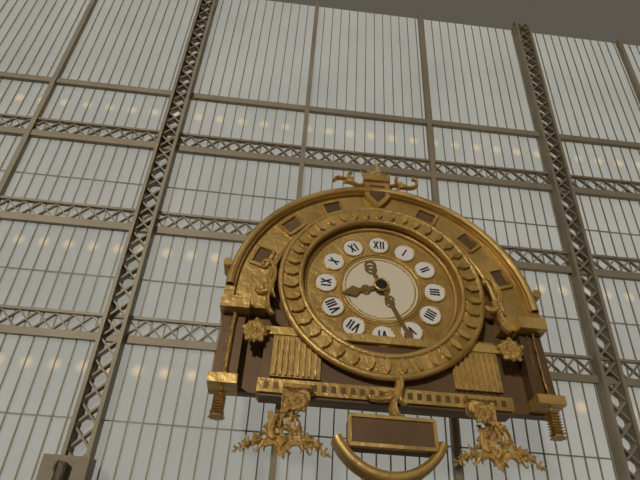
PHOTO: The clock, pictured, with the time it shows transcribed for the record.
8:26
